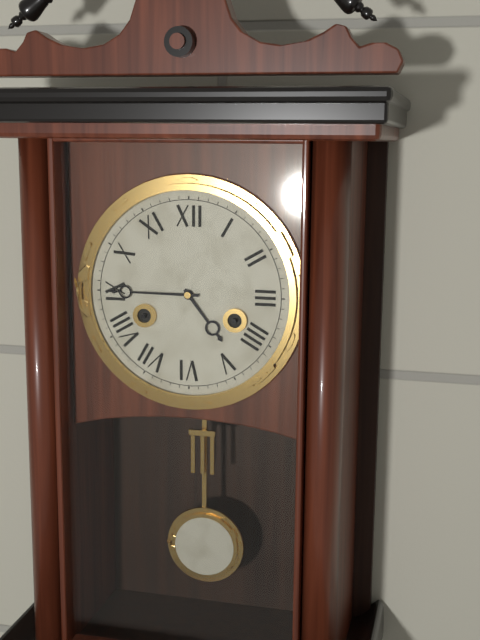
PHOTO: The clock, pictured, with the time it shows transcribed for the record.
4:45
